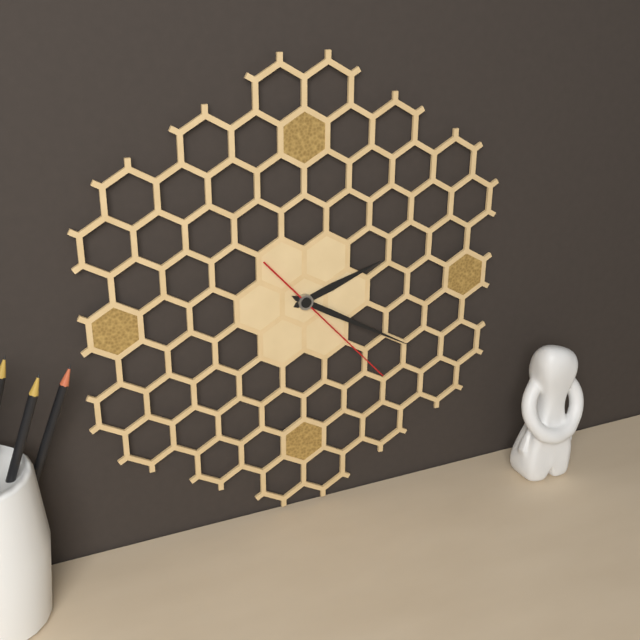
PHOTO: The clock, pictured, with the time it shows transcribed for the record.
2:20:23
